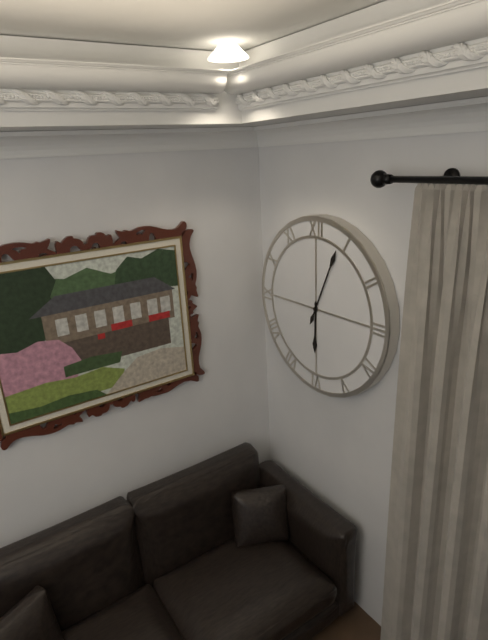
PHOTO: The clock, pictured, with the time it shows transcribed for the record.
6:04
